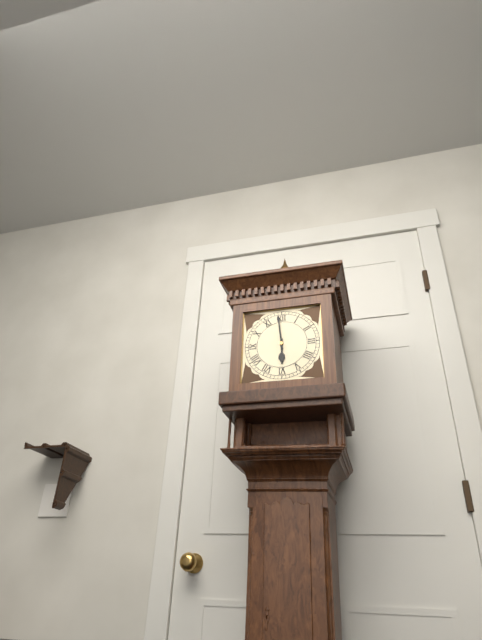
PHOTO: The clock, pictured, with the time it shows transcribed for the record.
5:59
